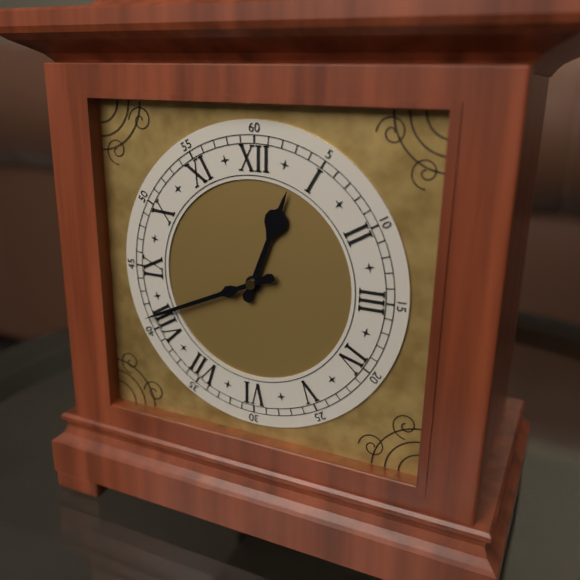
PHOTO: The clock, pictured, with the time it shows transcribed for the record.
12:41
